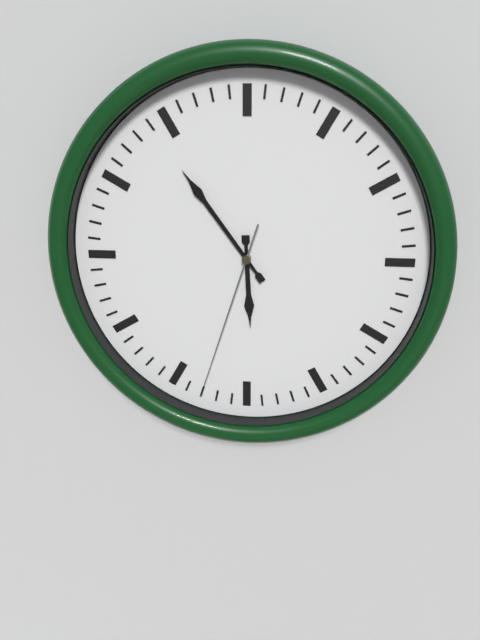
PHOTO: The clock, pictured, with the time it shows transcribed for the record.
5:54:33
